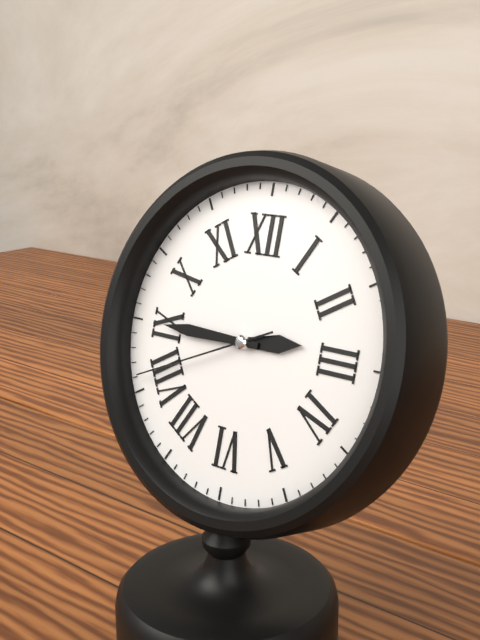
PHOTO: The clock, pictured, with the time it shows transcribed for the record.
2:45:41
